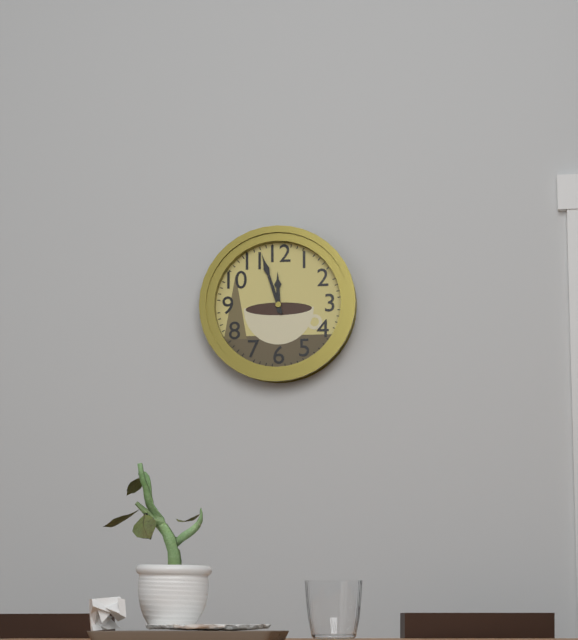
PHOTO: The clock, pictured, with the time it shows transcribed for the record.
11:57
